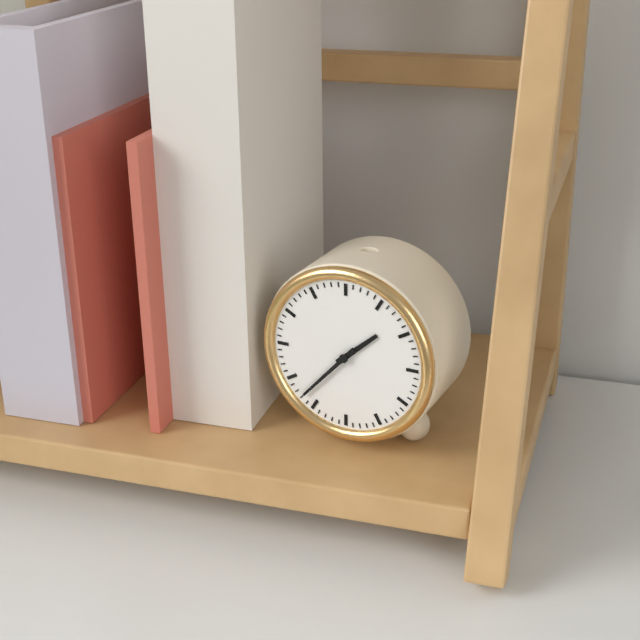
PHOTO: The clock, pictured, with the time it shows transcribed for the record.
1:37
